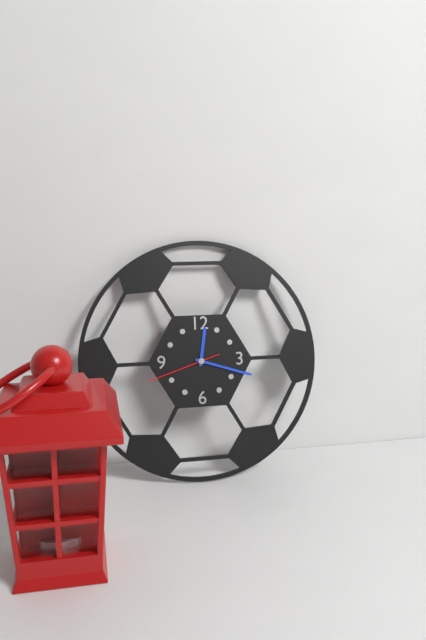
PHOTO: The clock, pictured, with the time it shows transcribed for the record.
12:18:42
